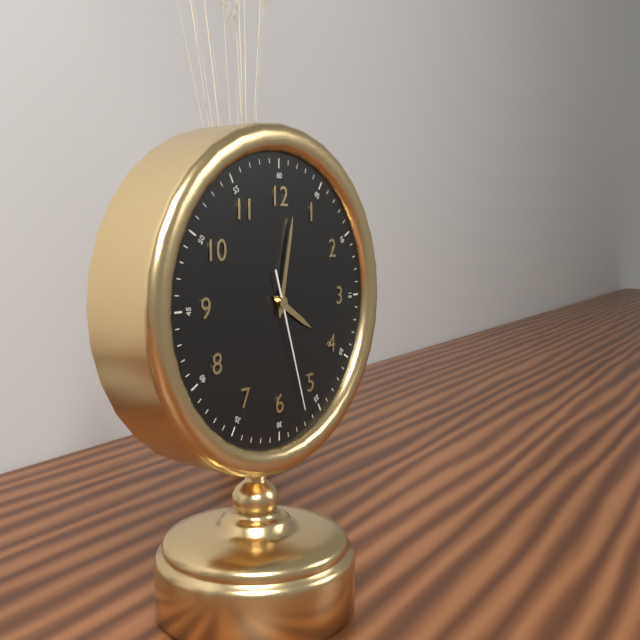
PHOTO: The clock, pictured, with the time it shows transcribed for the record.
4:02:27
